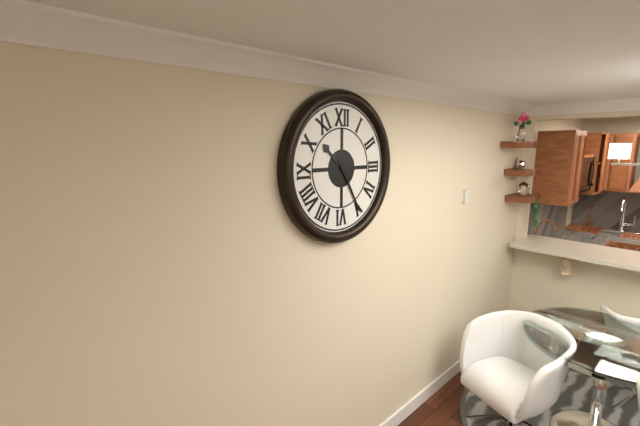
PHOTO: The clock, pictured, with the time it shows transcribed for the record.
10:25
